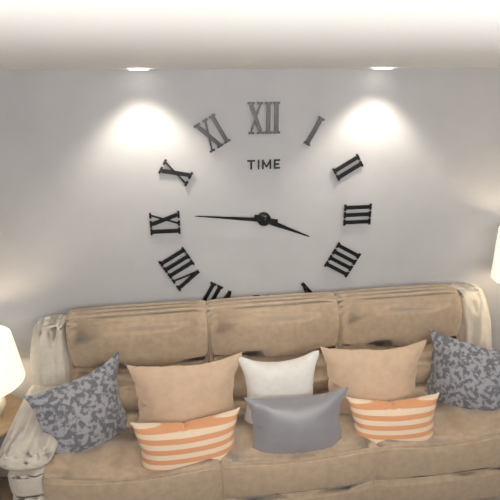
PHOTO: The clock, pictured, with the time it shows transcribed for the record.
3:46
